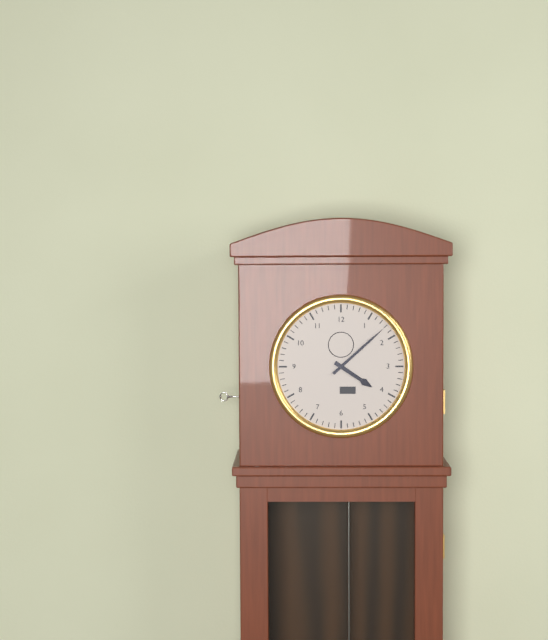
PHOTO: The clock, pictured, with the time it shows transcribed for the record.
4:08
